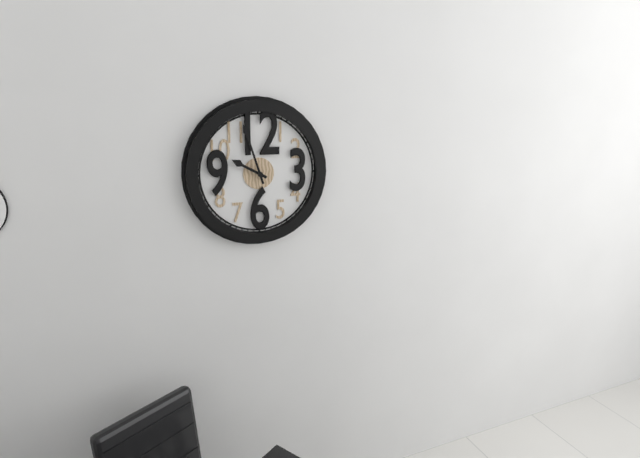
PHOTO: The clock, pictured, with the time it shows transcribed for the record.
9:57
